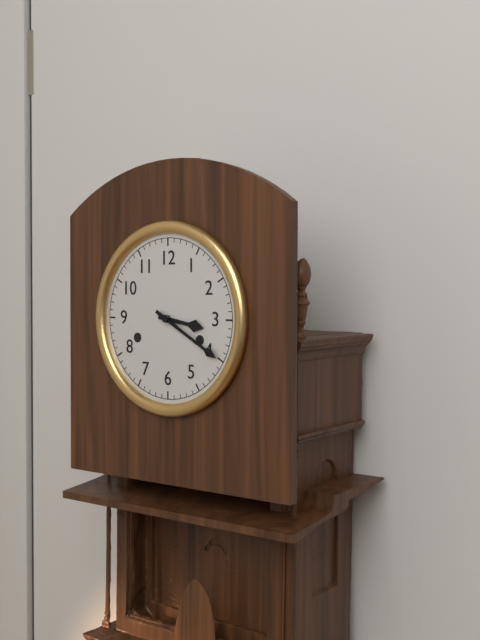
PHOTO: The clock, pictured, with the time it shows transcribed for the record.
3:20
